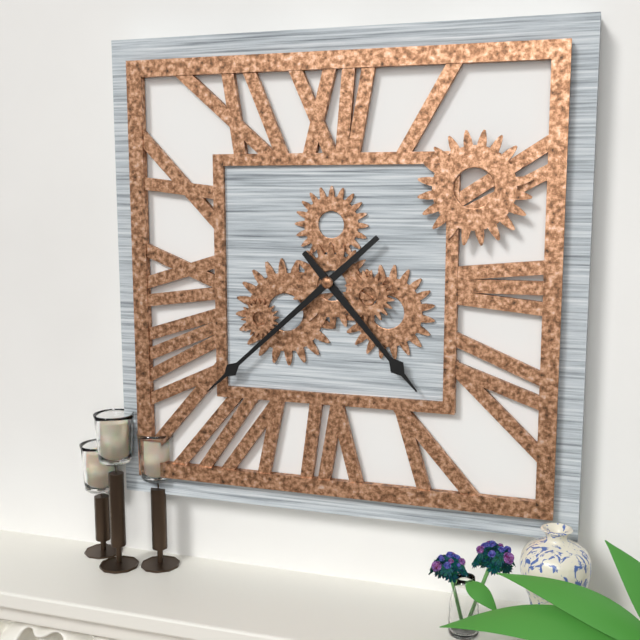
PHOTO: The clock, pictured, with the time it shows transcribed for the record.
4:38
